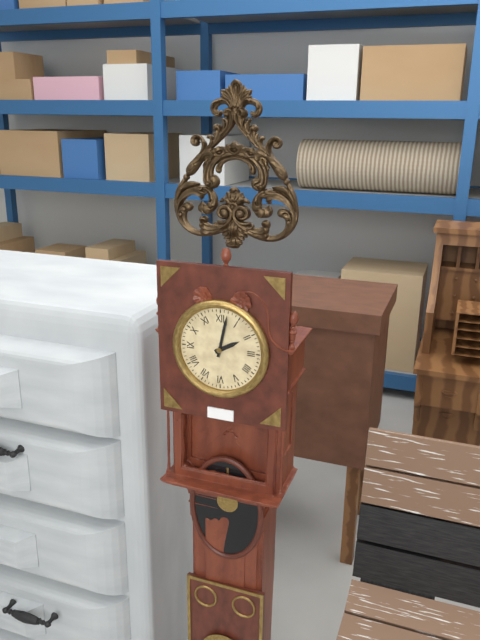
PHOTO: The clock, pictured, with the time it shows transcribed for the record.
2:02
